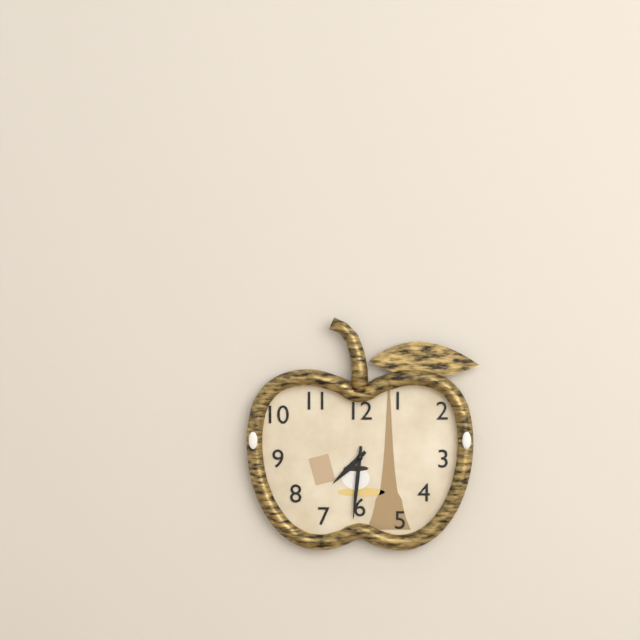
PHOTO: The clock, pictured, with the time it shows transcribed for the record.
7:31
